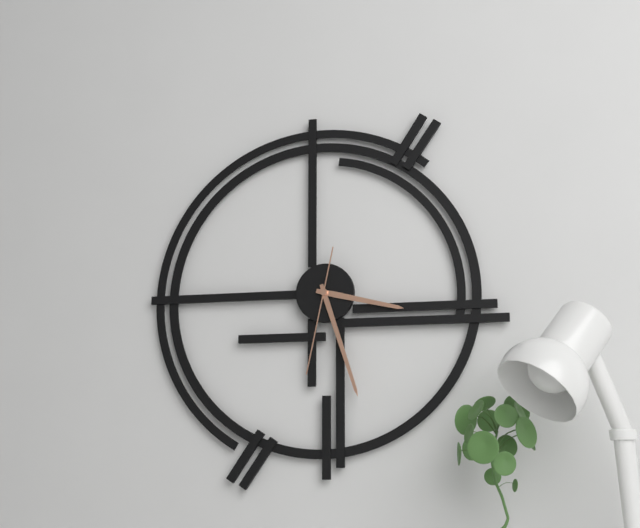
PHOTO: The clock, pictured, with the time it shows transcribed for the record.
3:27:32
